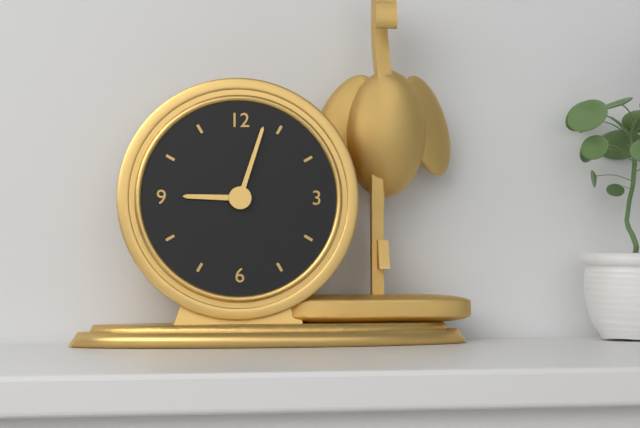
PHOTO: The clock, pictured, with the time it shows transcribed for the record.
9:03
